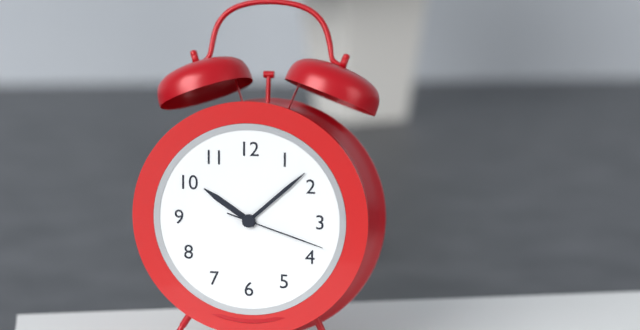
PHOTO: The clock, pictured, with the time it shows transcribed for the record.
10:08:18
